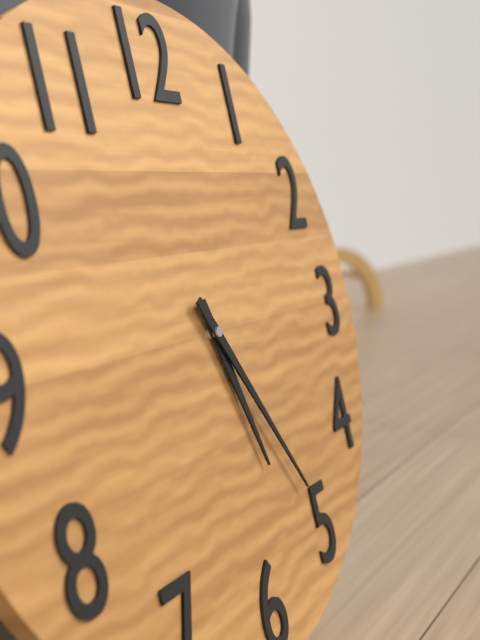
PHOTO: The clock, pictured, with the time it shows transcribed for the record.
5:25
